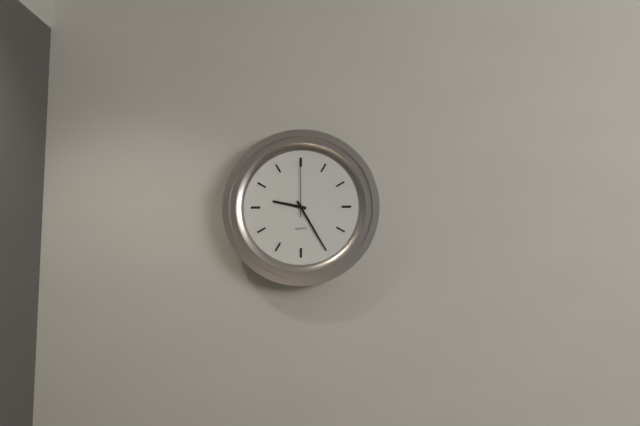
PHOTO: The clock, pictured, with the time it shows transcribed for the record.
9:25:00
